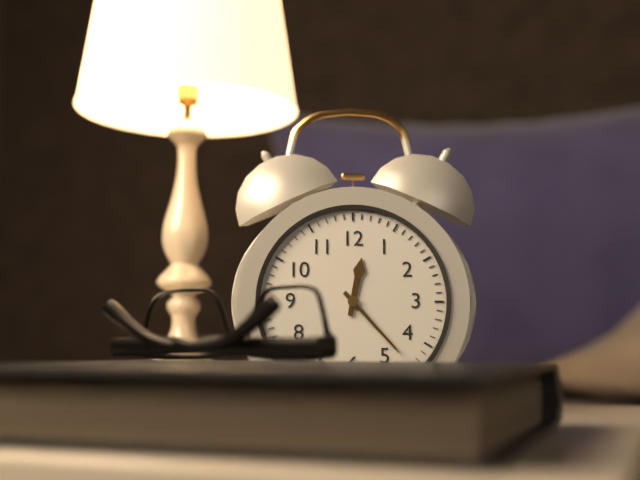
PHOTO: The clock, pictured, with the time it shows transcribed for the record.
12:23
